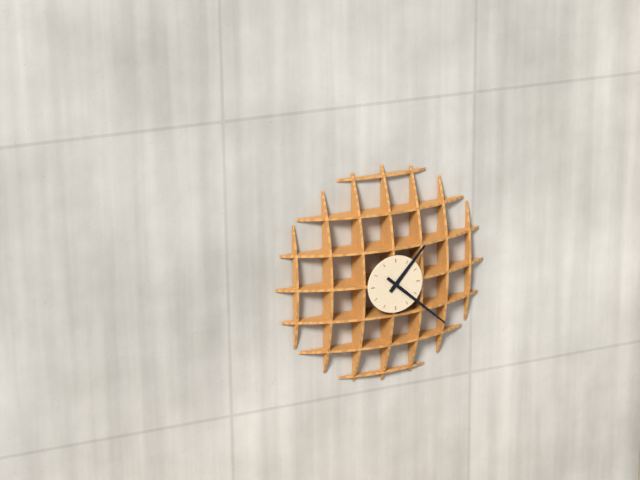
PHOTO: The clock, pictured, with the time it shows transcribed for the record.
1:22
